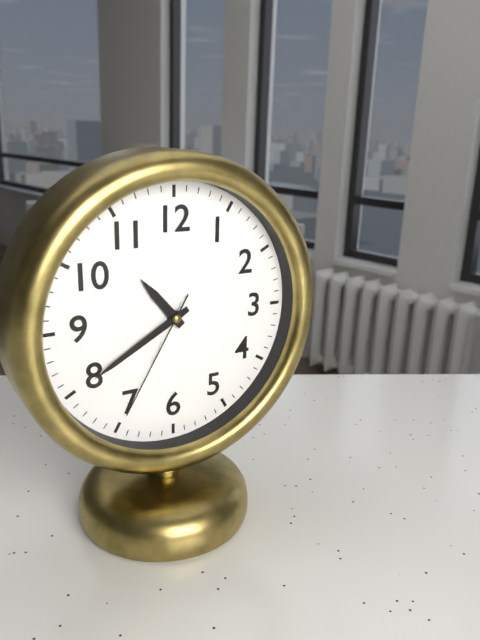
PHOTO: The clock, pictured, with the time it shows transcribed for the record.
10:40:35
